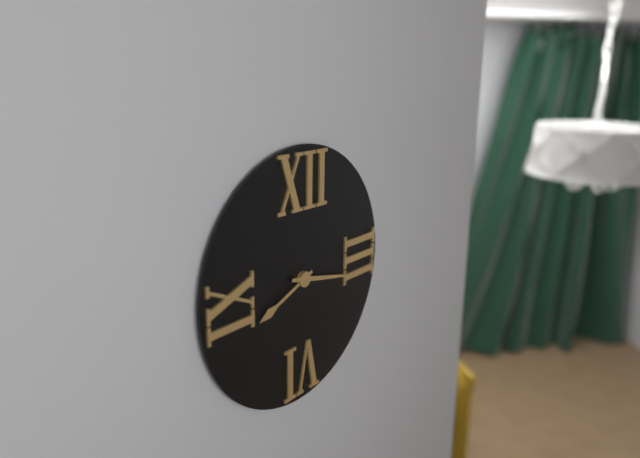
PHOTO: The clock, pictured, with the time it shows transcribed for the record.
8:17
